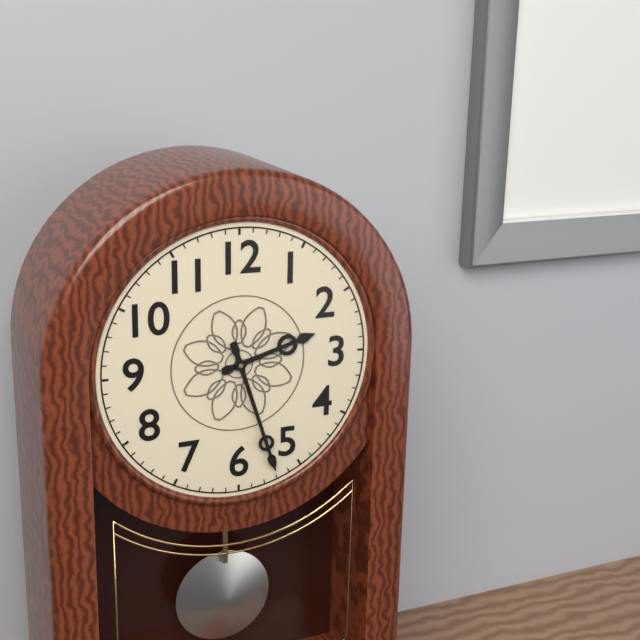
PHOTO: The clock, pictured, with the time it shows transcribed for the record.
2:27
